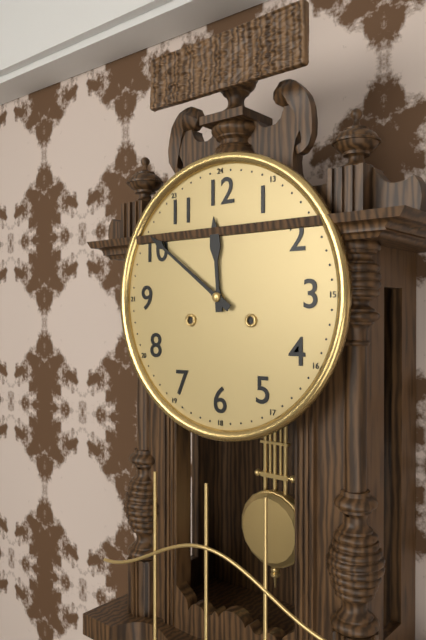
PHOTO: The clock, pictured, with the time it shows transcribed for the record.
11:51
